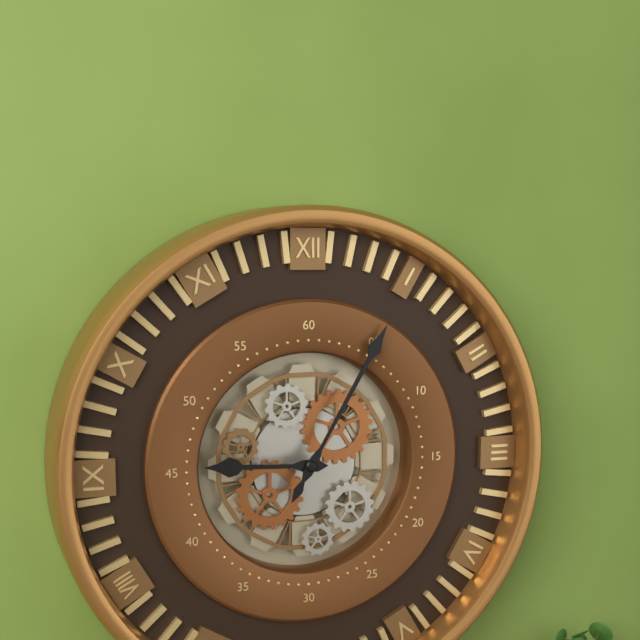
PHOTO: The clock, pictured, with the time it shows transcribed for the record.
9:05
